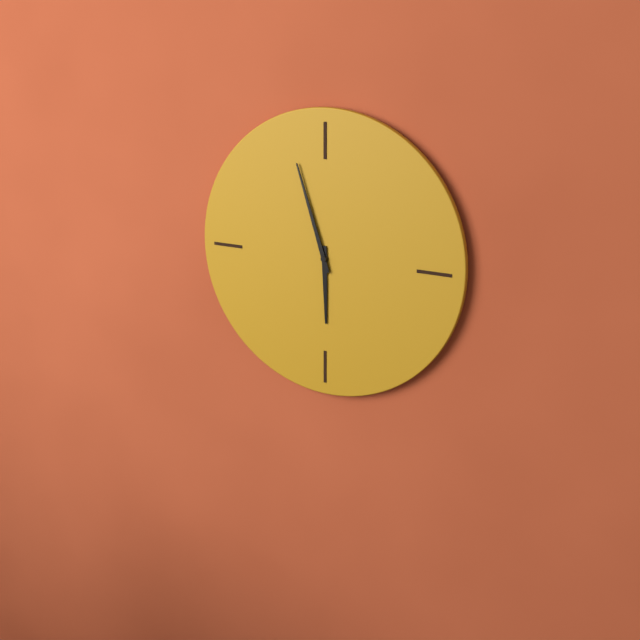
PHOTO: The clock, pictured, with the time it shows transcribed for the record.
5:57
